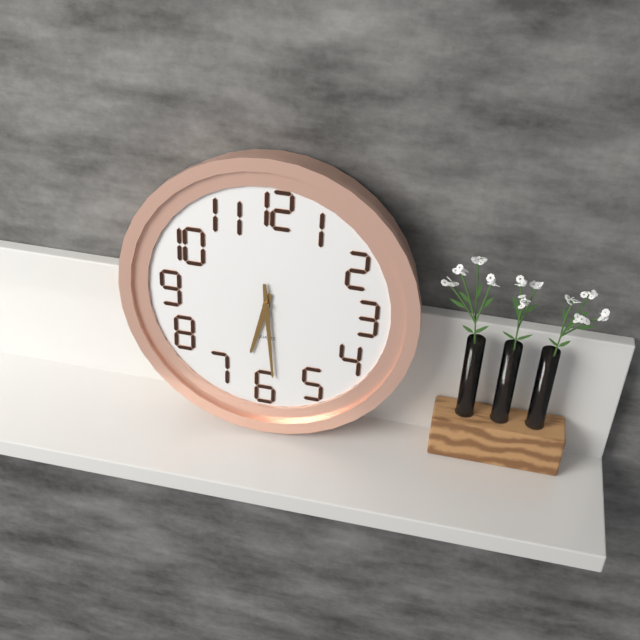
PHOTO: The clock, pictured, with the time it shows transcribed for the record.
6:29
